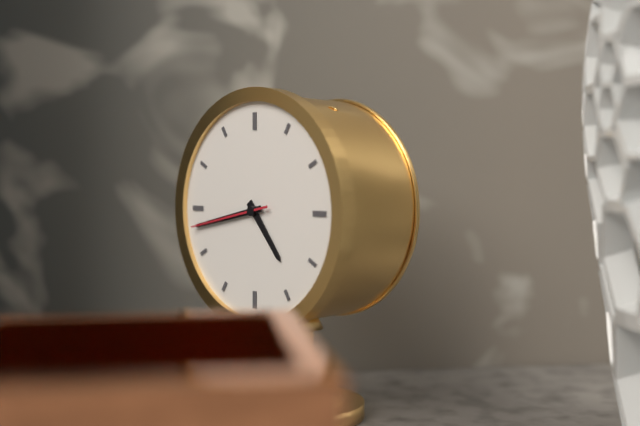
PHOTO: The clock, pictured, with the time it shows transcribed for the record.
4:43:43
